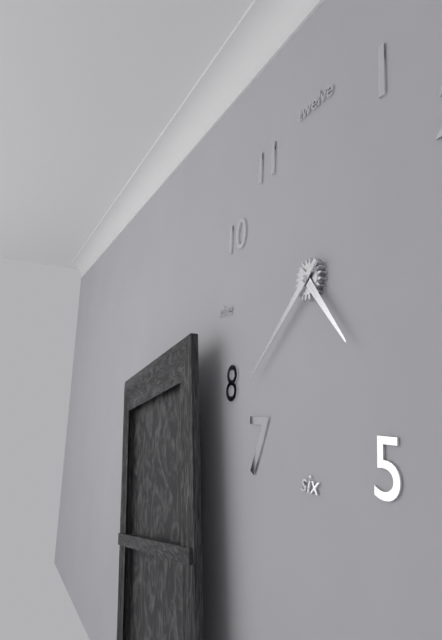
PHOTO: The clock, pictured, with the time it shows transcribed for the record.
4:38
